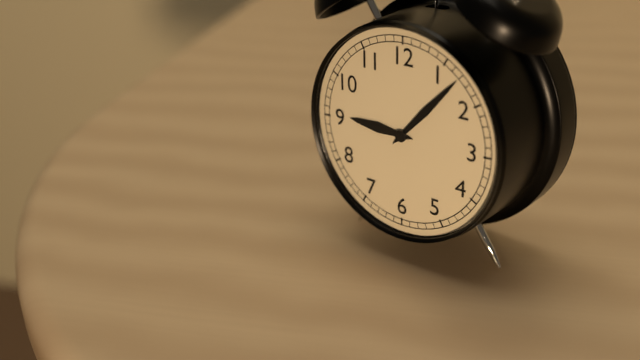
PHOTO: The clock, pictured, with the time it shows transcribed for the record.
9:07
